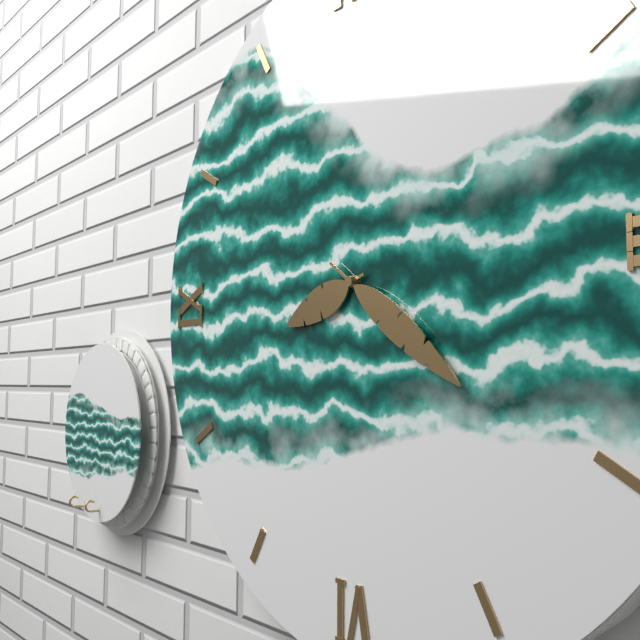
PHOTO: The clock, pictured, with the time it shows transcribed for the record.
8:21
